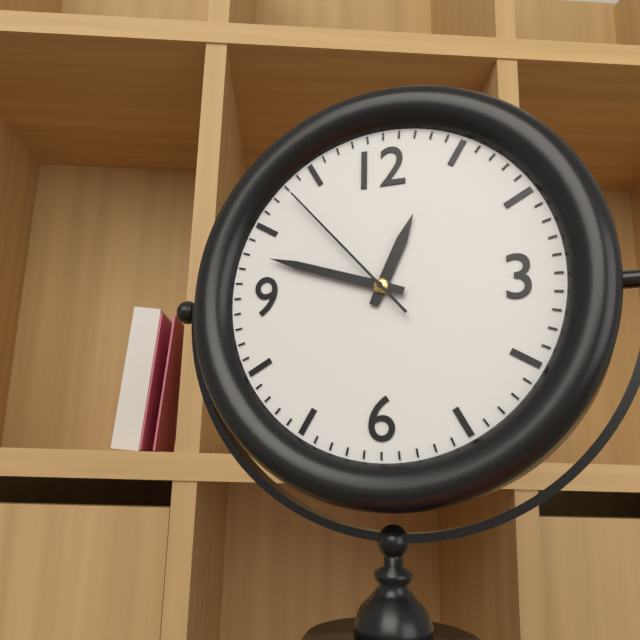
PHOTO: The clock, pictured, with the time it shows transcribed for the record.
12:48:53
